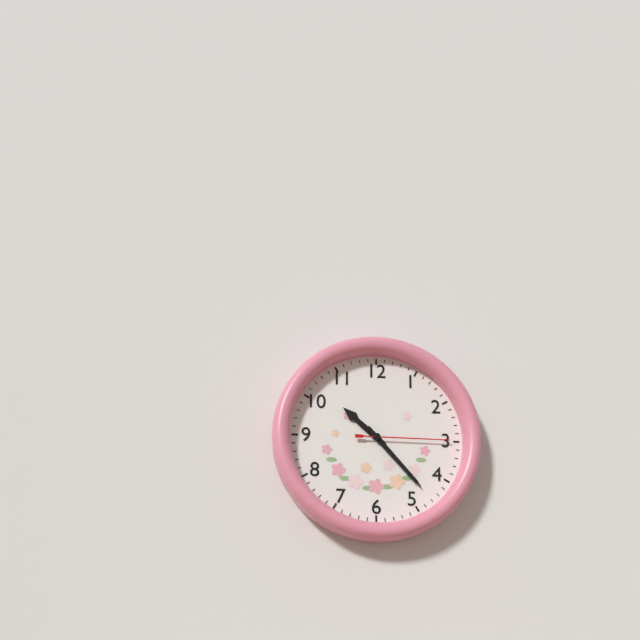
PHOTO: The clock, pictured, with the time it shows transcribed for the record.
10:23:15
